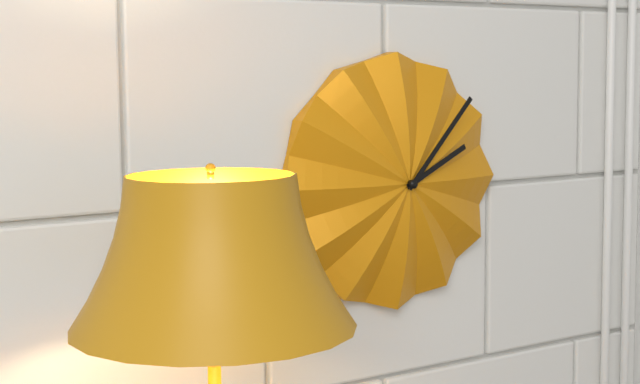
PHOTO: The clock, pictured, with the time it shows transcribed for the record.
2:07
